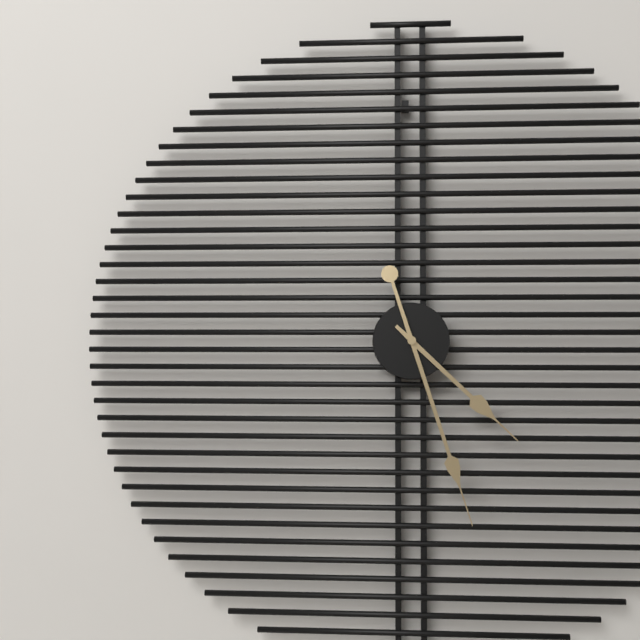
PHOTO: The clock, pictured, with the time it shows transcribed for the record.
4:27
